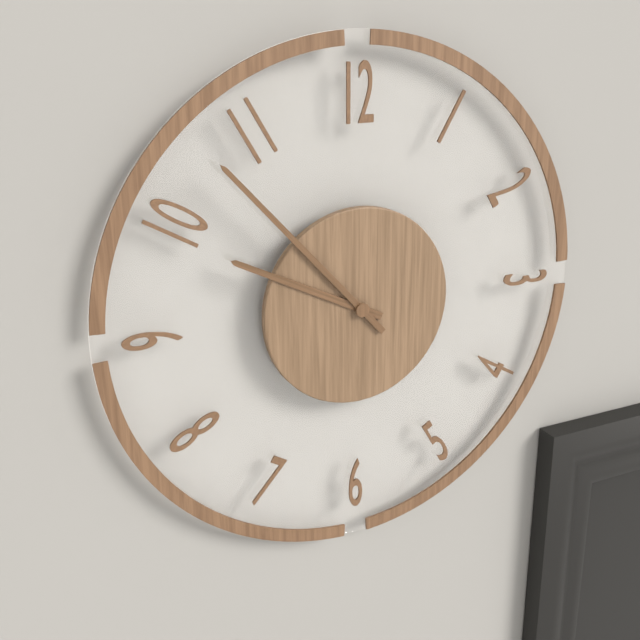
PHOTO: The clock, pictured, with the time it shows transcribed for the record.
9:53
